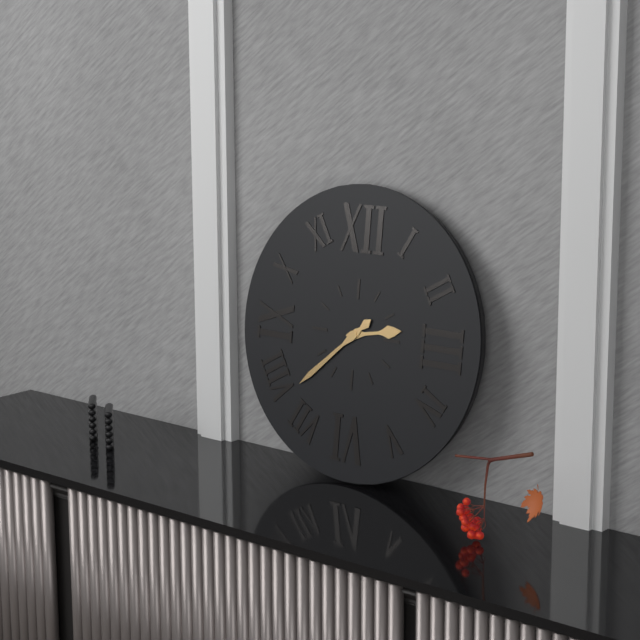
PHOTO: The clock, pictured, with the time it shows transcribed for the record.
2:38
